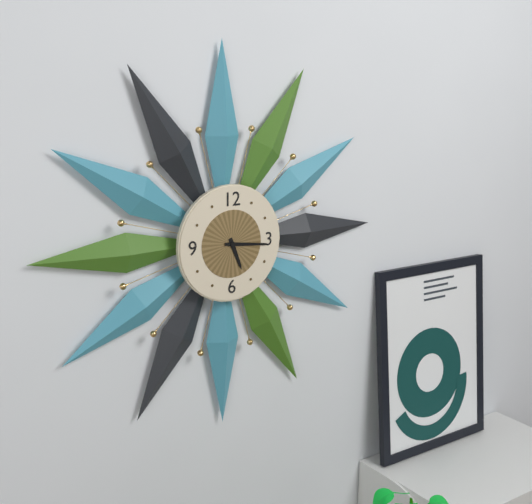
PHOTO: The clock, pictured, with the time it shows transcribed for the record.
5:16
